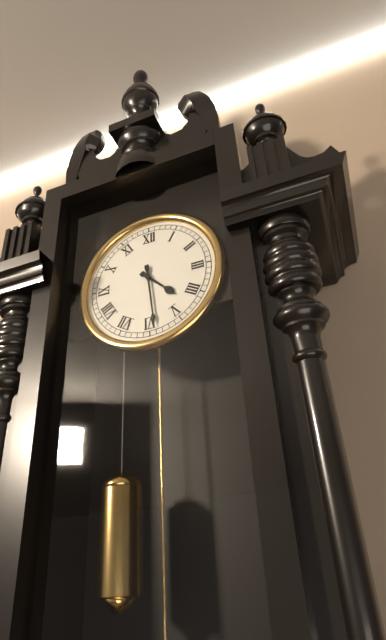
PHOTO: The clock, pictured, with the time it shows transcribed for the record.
4:29
